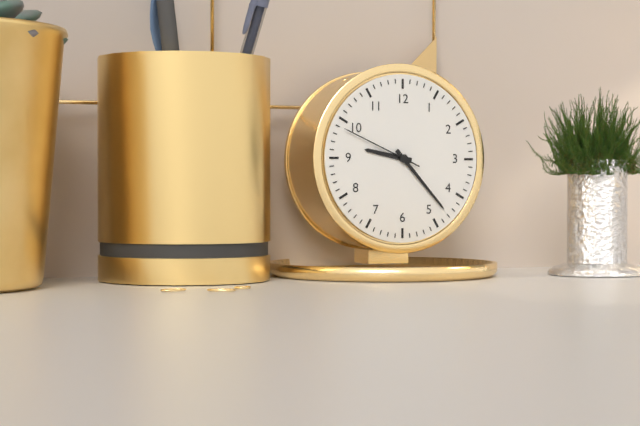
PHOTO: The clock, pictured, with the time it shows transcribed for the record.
9:23:49
